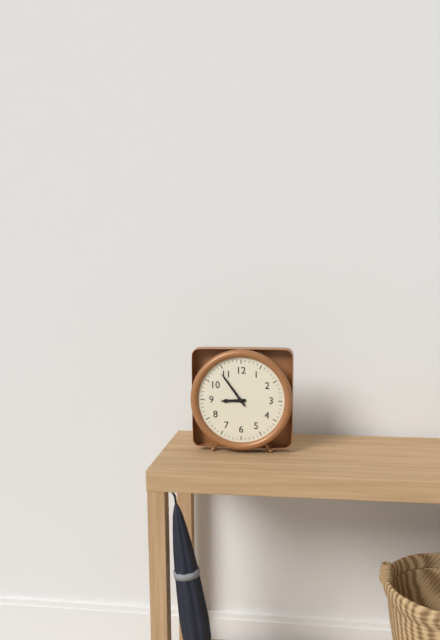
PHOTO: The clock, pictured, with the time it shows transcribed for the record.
8:54
